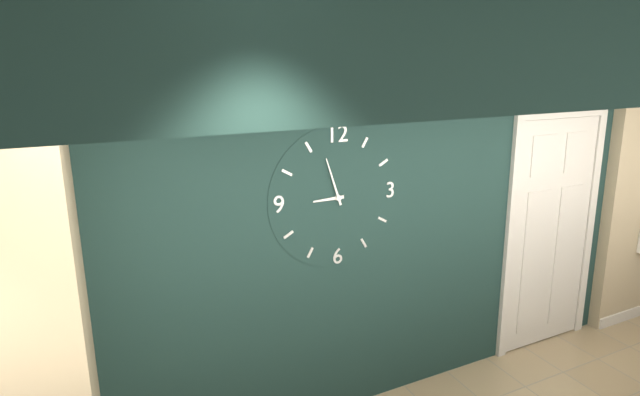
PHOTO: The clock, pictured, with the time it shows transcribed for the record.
8:57
